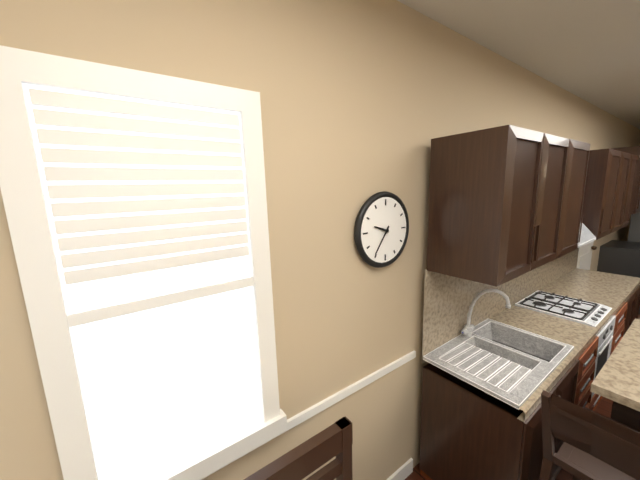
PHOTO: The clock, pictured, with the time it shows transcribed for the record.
9:36
